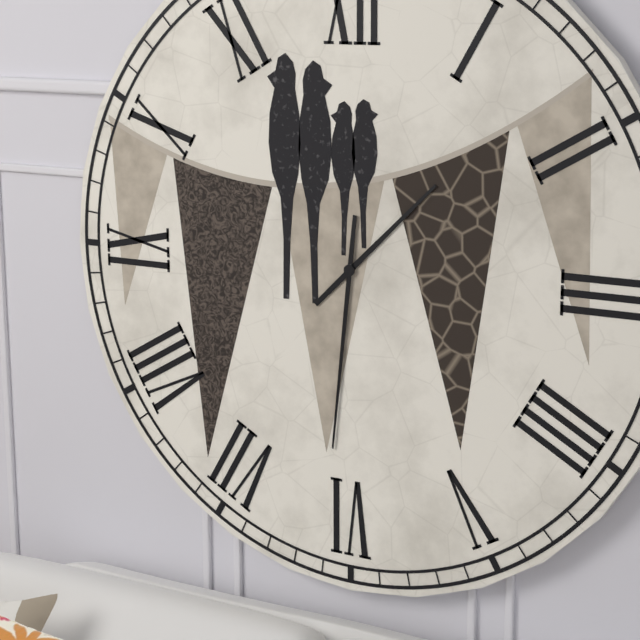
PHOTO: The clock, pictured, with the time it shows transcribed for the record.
1:31
